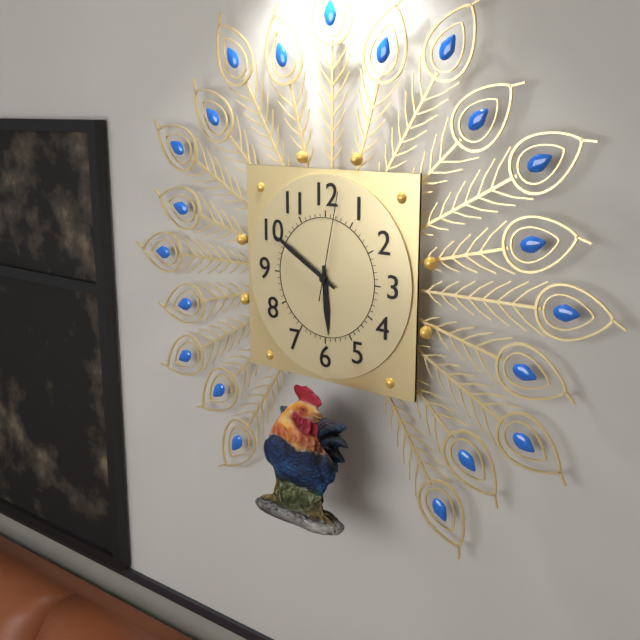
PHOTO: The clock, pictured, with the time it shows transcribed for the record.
5:50:02
